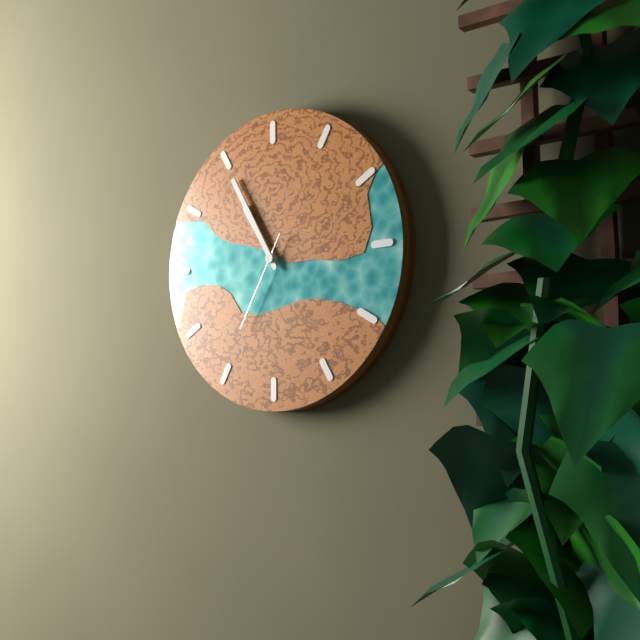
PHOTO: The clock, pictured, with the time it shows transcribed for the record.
10:55:35
